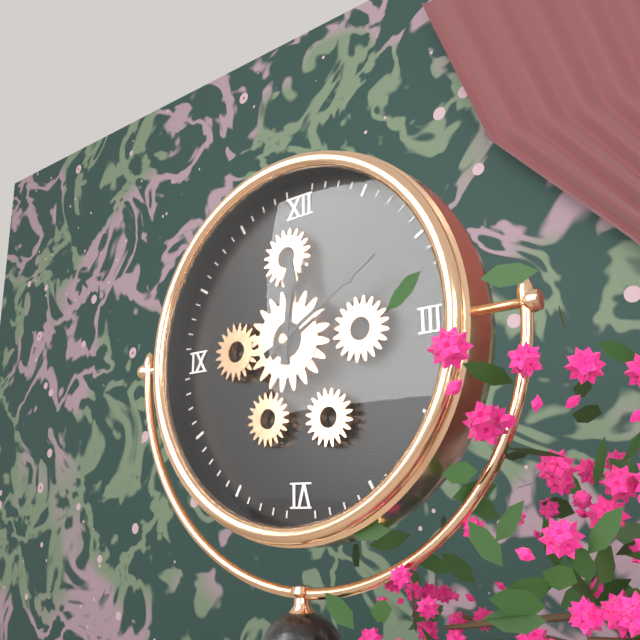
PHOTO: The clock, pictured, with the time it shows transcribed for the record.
12:10
